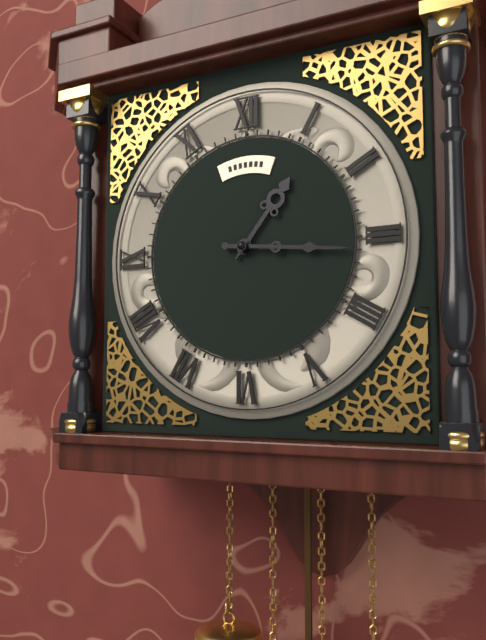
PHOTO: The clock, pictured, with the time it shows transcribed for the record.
1:16
